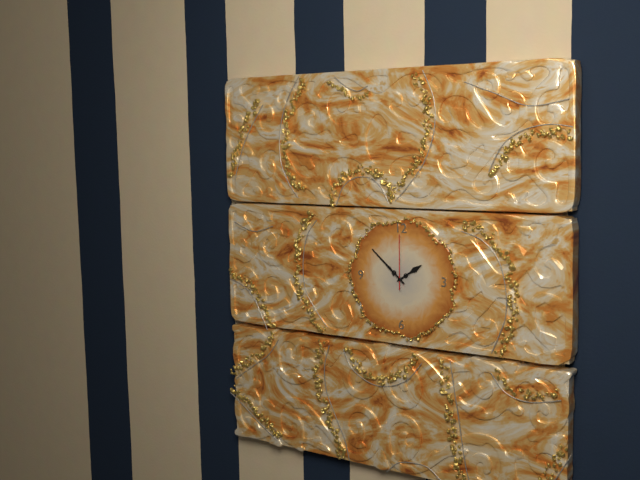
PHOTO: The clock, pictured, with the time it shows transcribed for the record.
1:52:00
